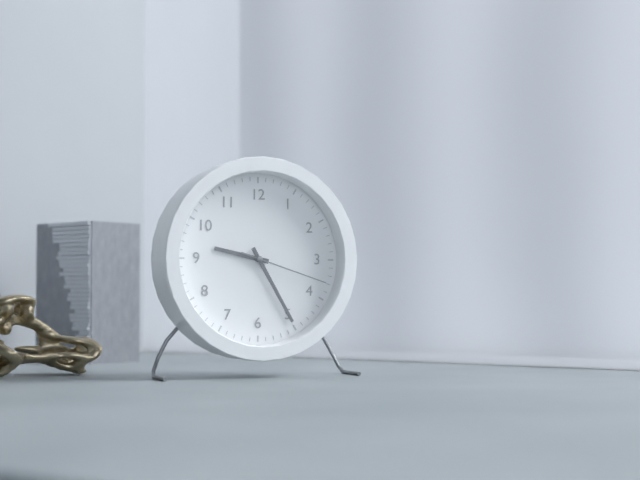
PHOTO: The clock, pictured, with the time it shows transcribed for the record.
9:25:18
